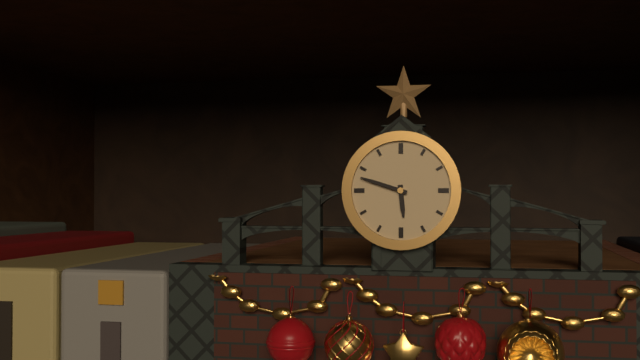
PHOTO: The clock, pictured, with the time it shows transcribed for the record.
5:48
